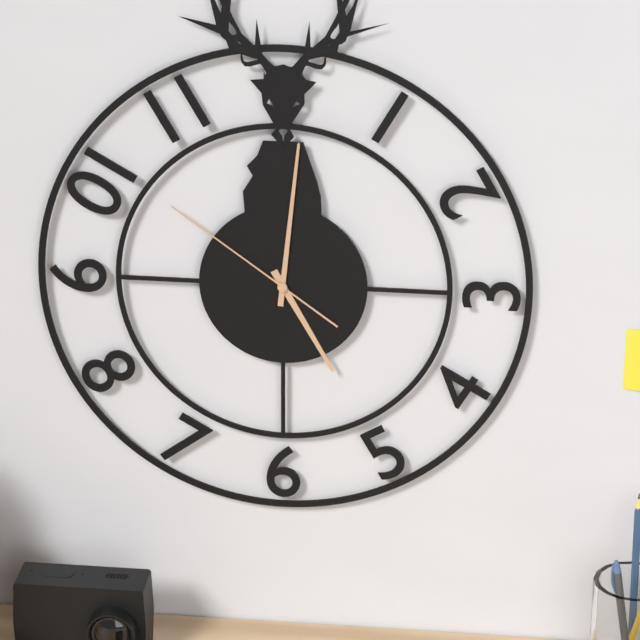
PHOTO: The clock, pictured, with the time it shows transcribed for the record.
5:01:51
